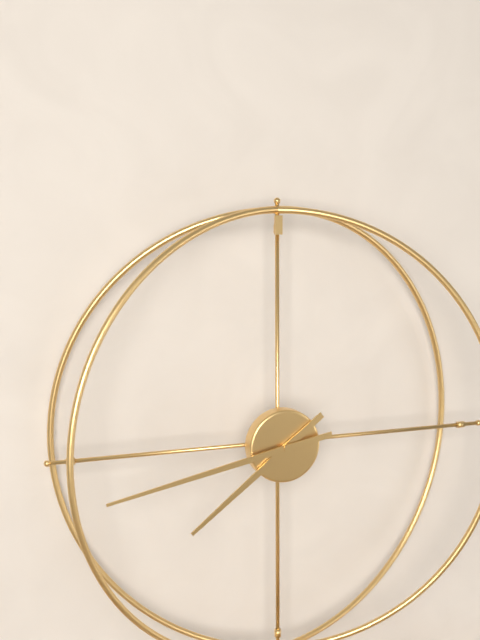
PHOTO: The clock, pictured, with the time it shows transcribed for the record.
7:43
